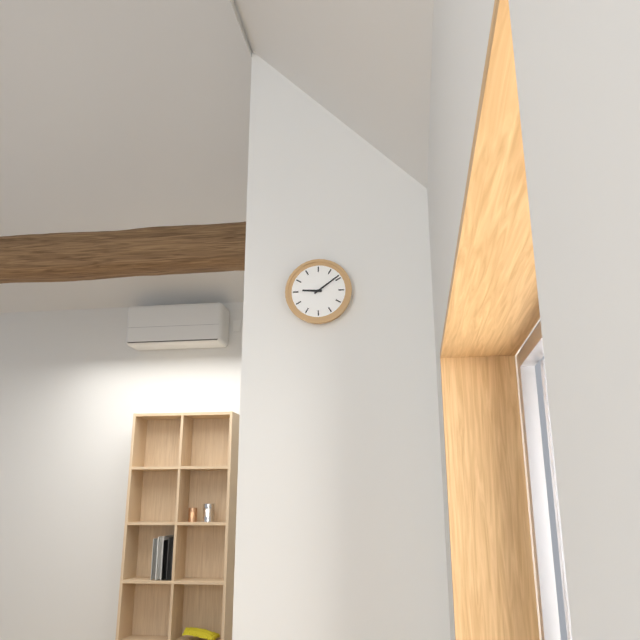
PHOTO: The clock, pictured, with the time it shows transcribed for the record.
9:09
